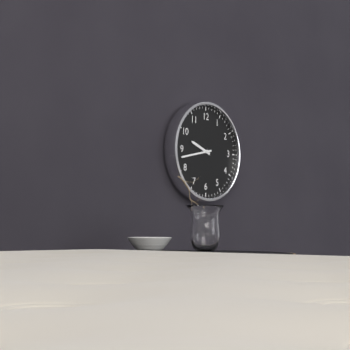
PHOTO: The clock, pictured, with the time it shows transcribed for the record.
9:43
